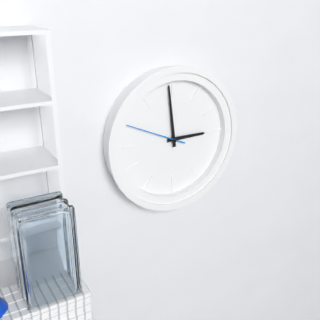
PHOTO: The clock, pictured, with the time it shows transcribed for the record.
2:59:49
